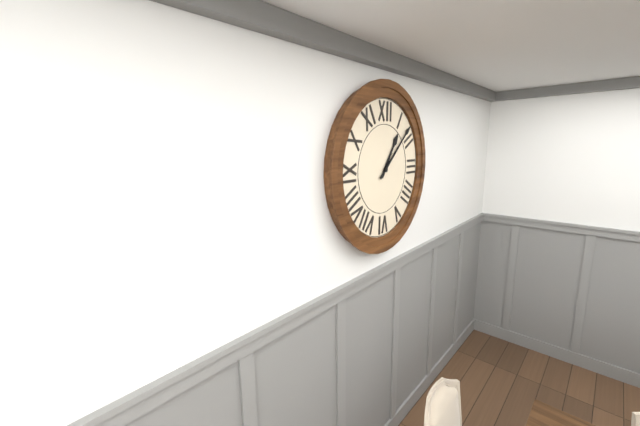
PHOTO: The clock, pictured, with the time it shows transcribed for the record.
1:08
